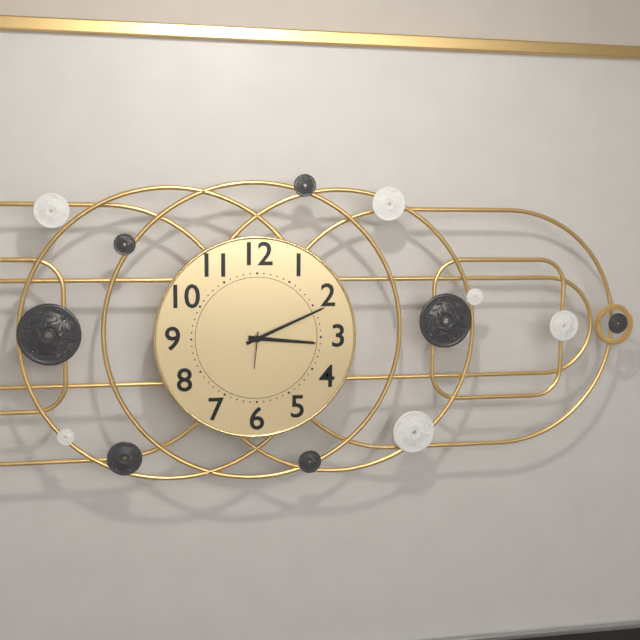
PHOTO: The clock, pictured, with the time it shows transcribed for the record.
3:11
